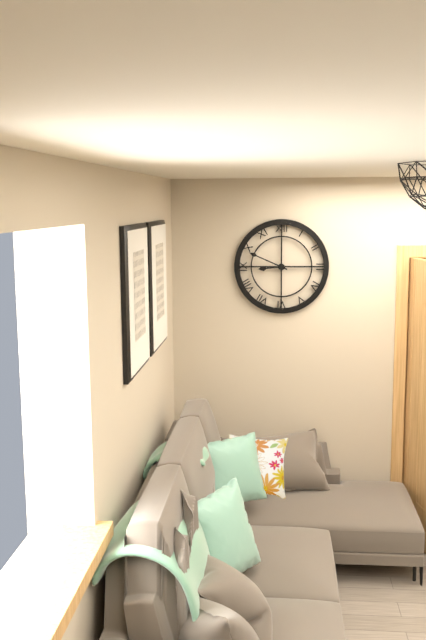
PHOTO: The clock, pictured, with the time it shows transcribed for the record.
8:49
